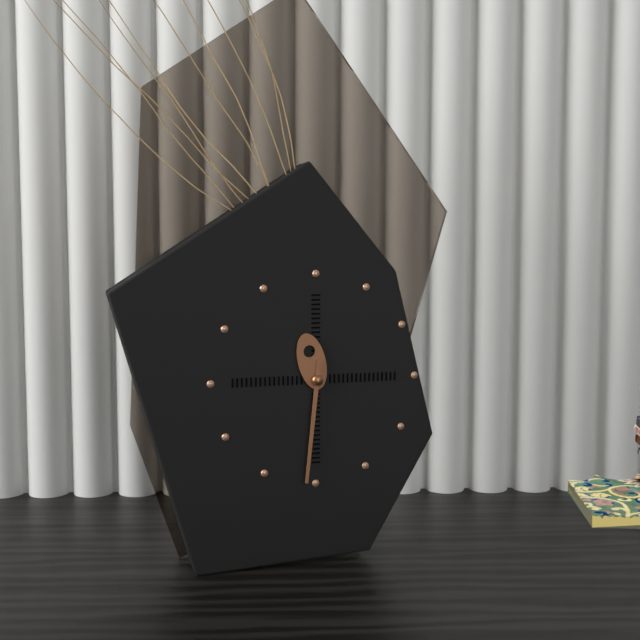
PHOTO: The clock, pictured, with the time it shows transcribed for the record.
11:31
